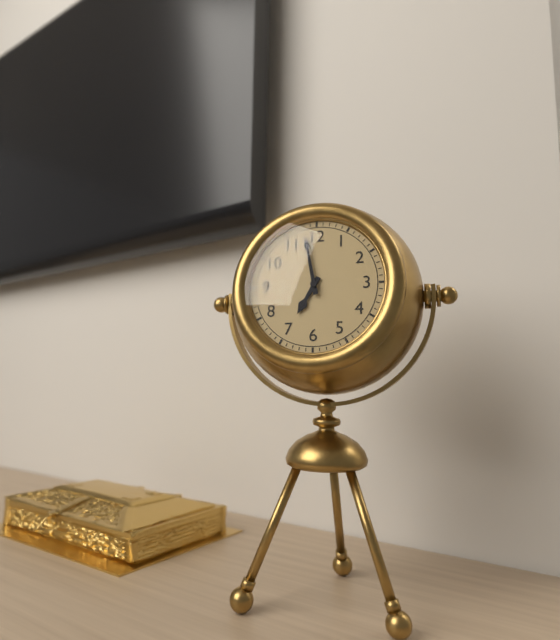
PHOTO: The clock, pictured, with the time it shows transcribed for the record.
6:58
